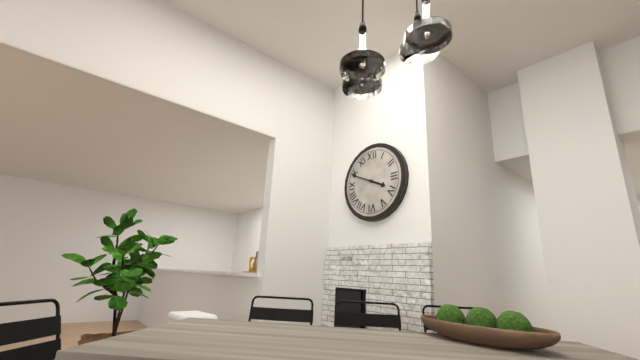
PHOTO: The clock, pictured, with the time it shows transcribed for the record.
3:49
